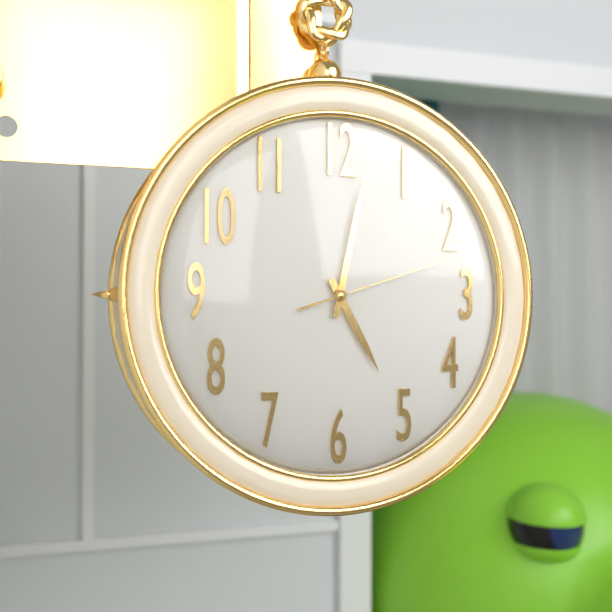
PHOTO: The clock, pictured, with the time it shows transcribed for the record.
5:02:12
